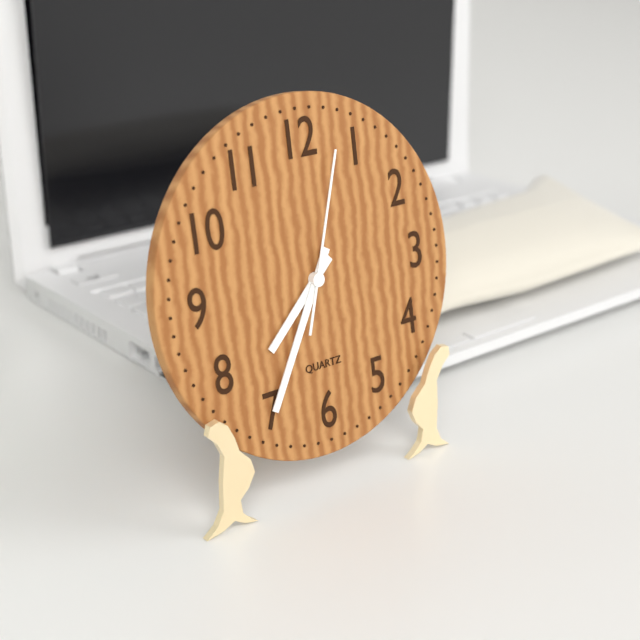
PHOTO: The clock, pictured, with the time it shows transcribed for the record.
7:35:03
